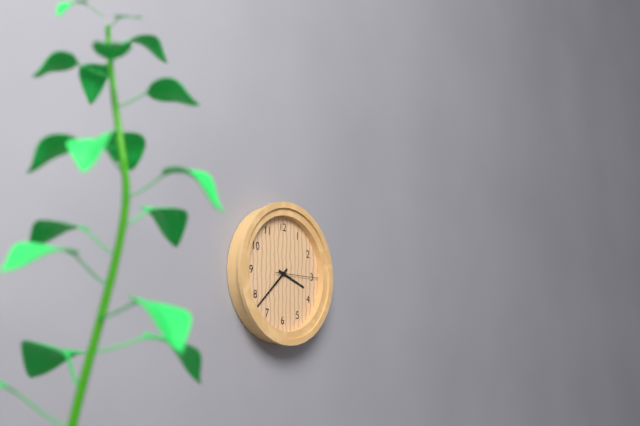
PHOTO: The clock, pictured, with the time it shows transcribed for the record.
3:38:15
